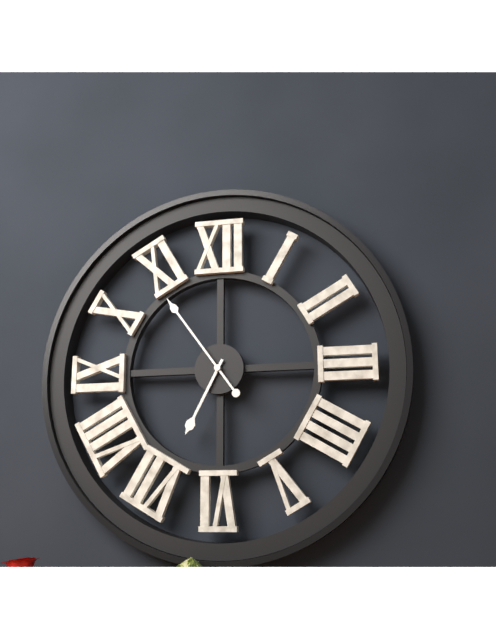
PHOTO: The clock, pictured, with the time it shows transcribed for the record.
6:54
